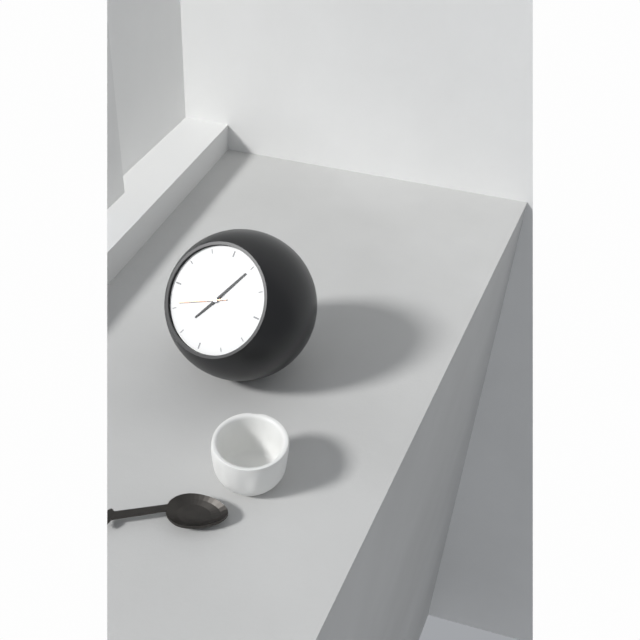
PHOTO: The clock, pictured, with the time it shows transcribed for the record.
7:05:41
